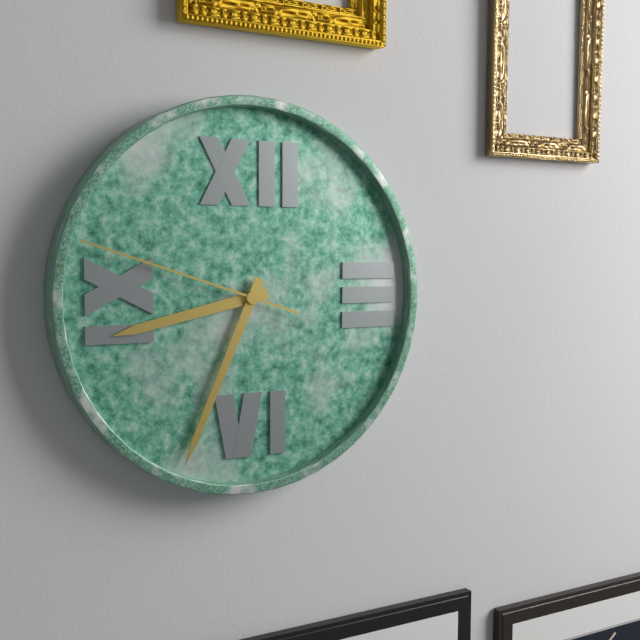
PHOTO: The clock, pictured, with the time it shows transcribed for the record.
8:34:48
